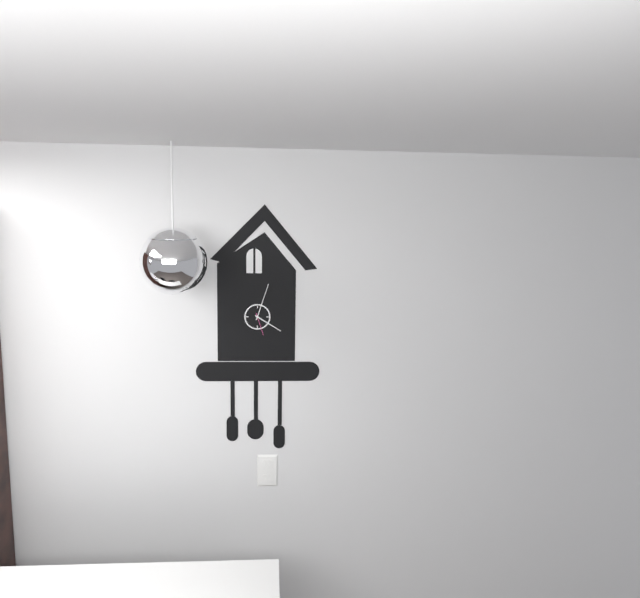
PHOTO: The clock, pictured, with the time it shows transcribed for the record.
4:03
